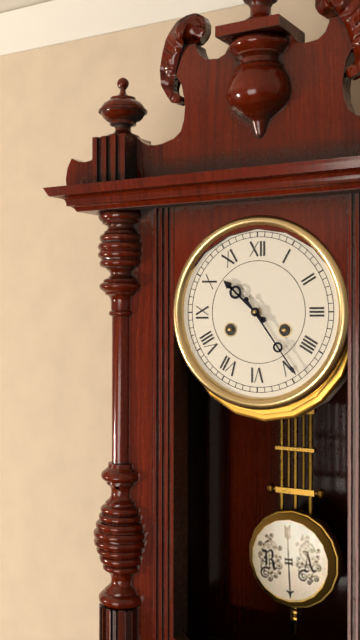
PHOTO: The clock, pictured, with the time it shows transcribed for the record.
10:24
